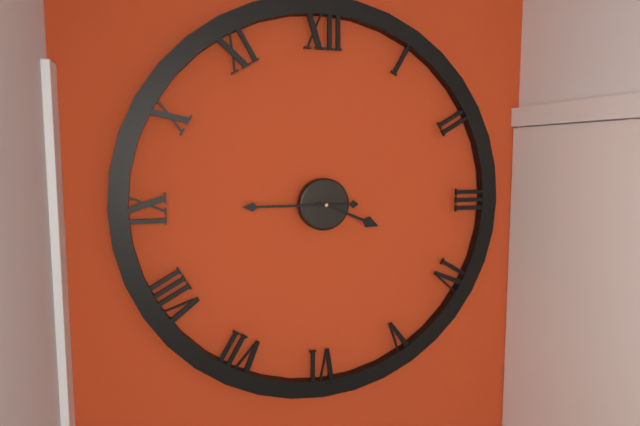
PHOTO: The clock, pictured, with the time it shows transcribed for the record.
3:45
